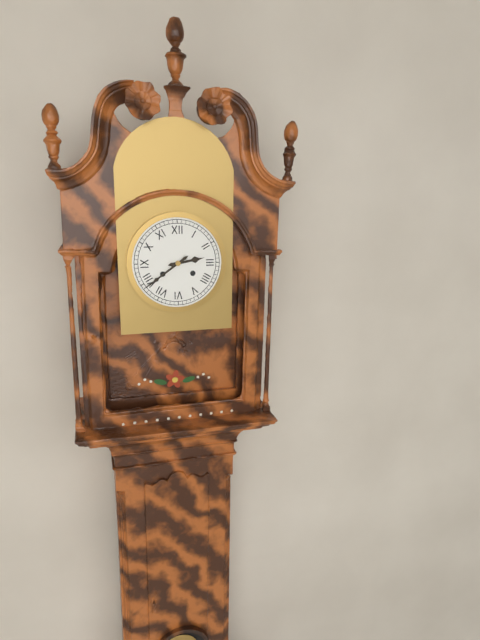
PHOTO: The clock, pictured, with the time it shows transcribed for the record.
2:39
